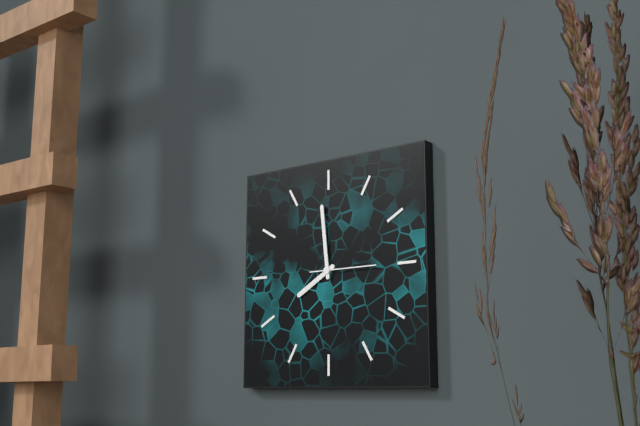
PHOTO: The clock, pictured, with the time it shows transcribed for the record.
7:59:15
